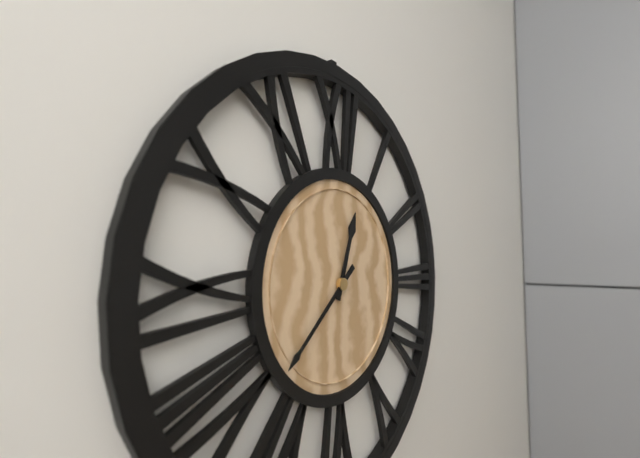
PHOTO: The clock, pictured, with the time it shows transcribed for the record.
12:38
